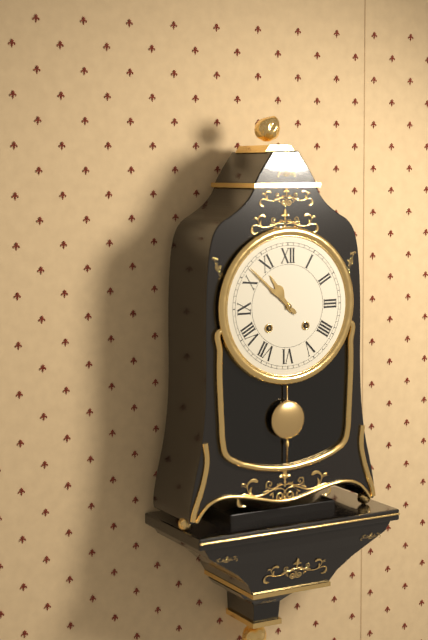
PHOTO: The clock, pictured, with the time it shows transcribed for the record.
10:52
